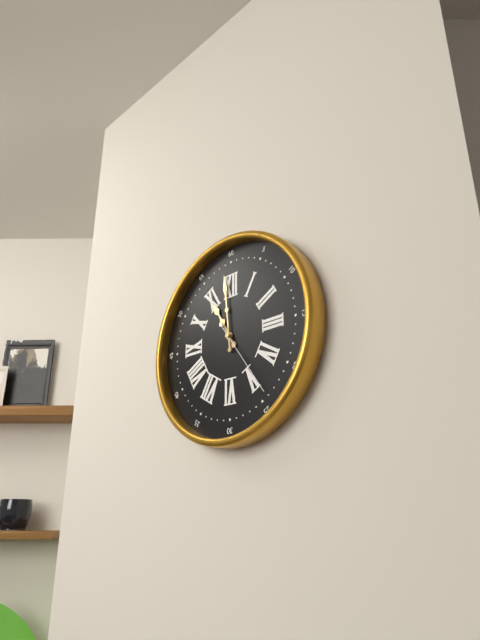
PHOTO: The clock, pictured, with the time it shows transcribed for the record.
10:59:24
